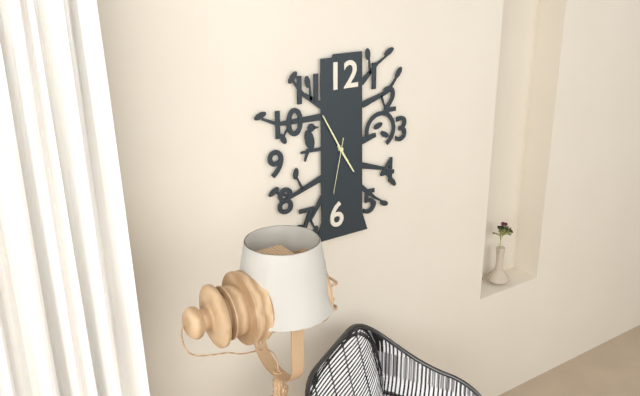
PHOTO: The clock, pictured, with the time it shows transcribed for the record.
4:55:32
